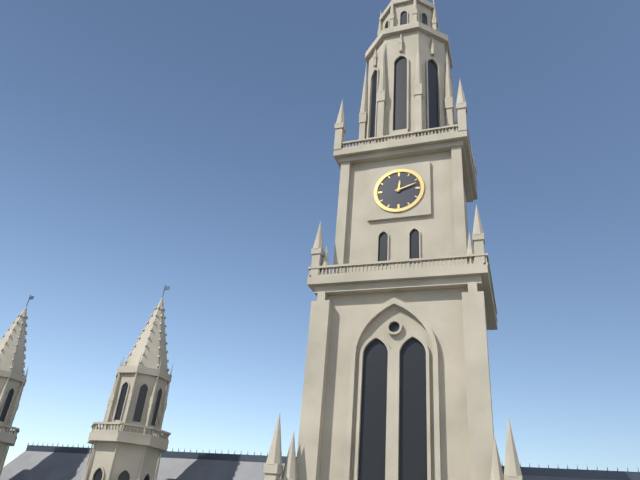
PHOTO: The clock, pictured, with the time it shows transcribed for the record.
12:12
